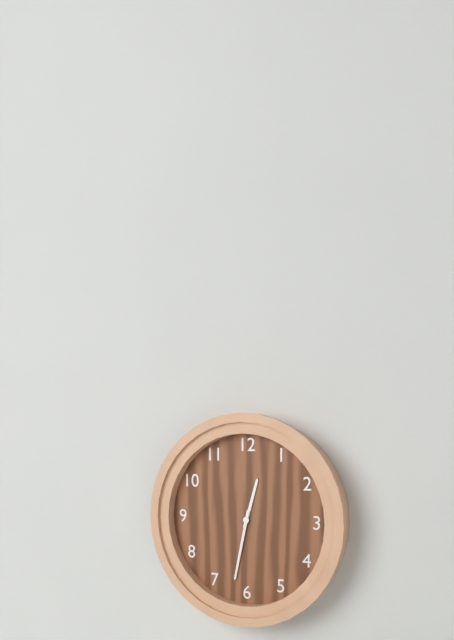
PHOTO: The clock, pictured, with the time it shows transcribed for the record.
12:32
